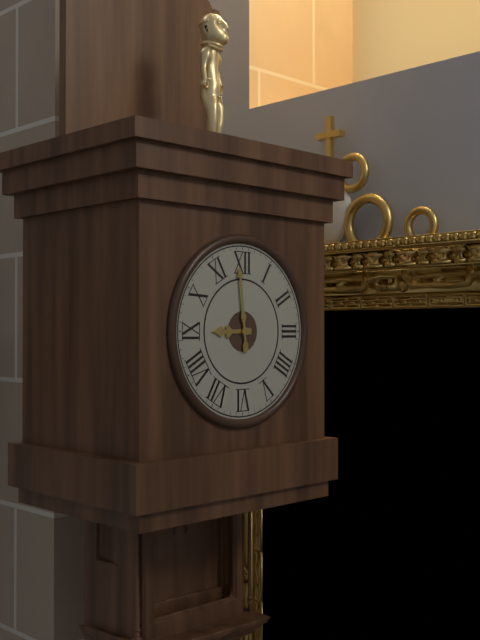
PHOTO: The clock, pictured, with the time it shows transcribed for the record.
8:59
